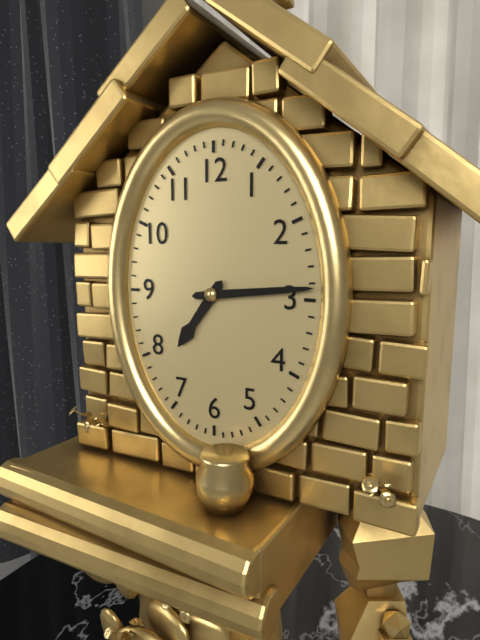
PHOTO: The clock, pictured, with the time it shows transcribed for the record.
7:14
